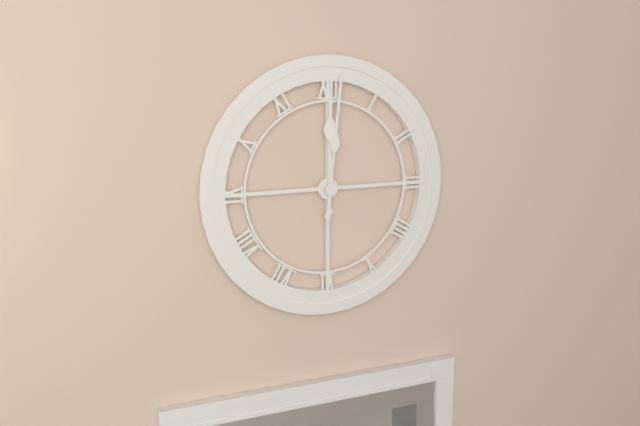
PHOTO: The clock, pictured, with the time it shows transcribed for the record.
12:01
